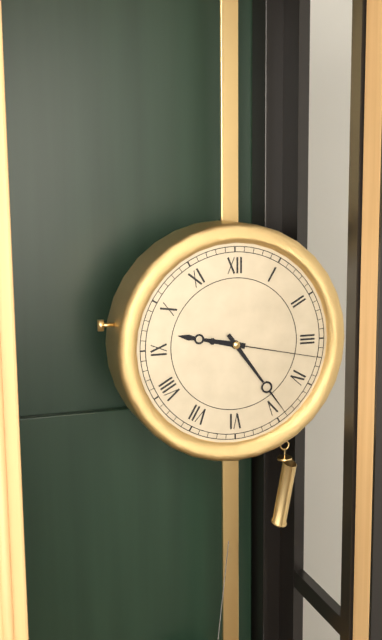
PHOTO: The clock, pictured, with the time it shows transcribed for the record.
9:24:17
